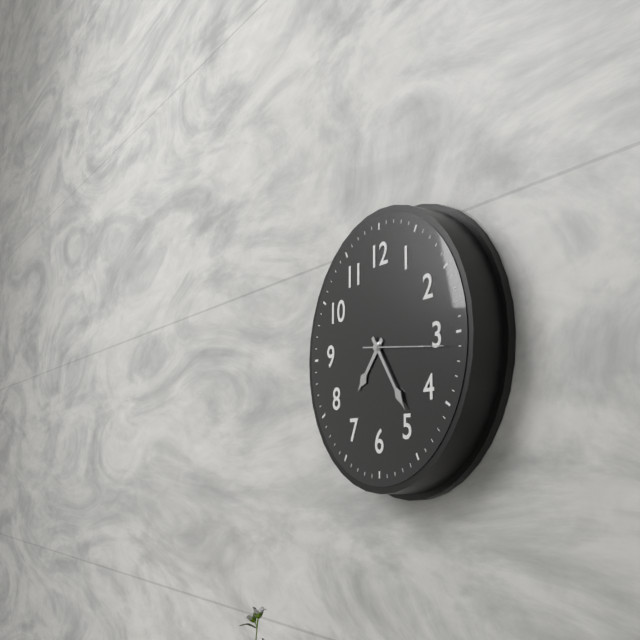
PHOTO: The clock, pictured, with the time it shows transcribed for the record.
7:24:16
